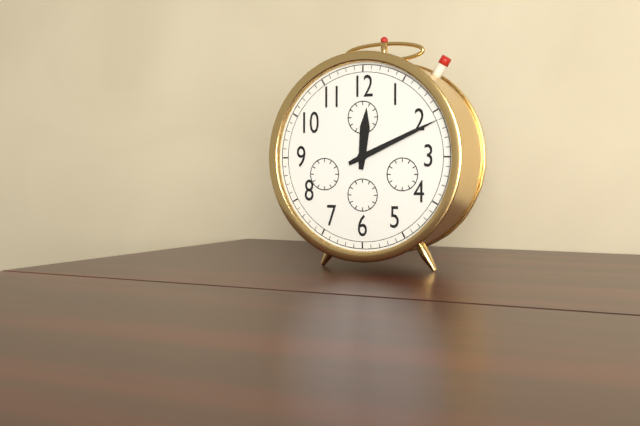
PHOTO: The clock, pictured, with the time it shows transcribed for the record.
12:11
